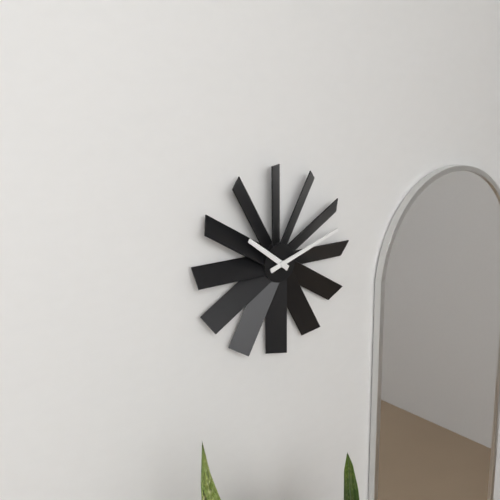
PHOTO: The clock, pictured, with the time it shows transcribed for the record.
10:12
